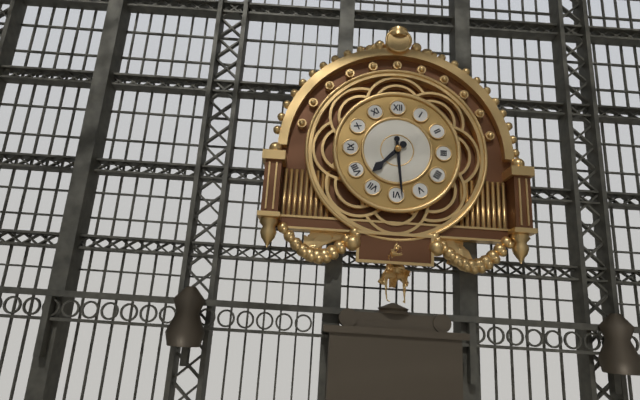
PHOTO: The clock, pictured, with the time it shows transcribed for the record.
7:29
